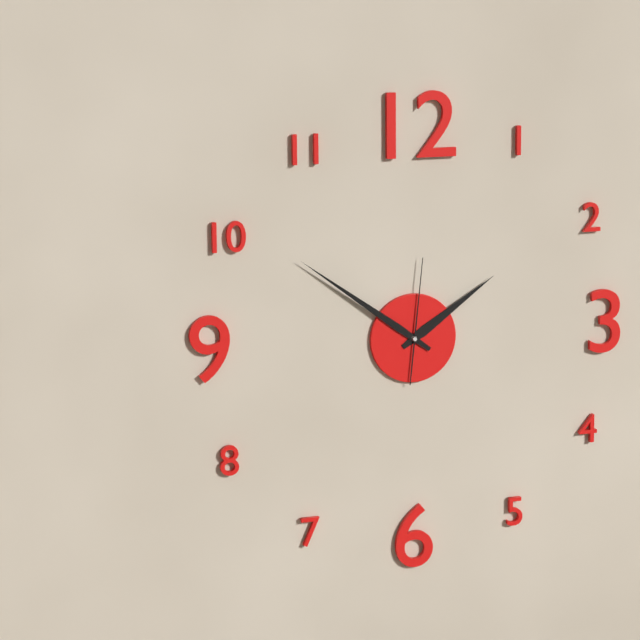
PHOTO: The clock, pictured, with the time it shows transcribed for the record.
1:51:01
